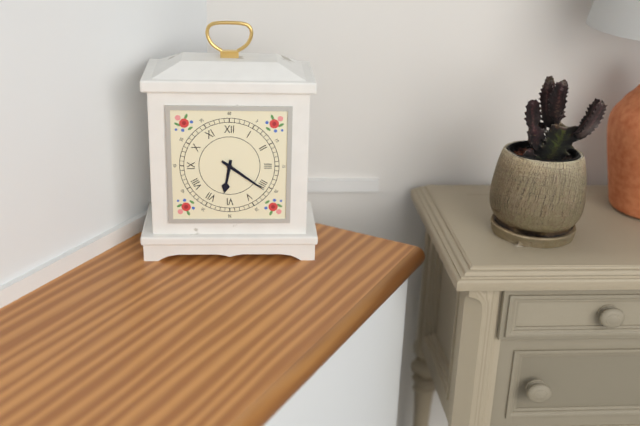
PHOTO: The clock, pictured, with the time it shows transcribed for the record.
6:21
